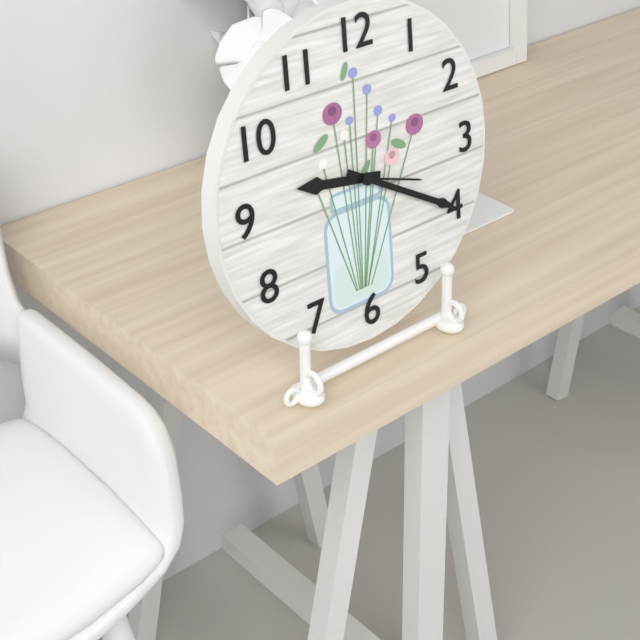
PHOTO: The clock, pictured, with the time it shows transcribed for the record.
9:20:18
